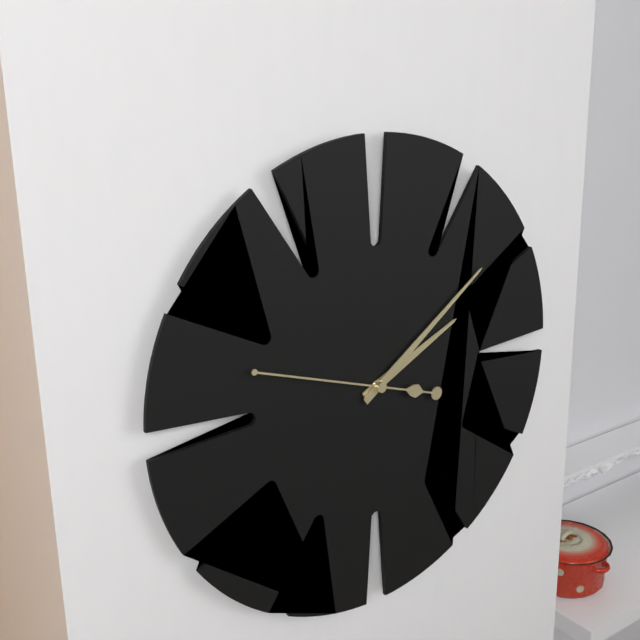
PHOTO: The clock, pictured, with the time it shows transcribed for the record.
2:09:48
